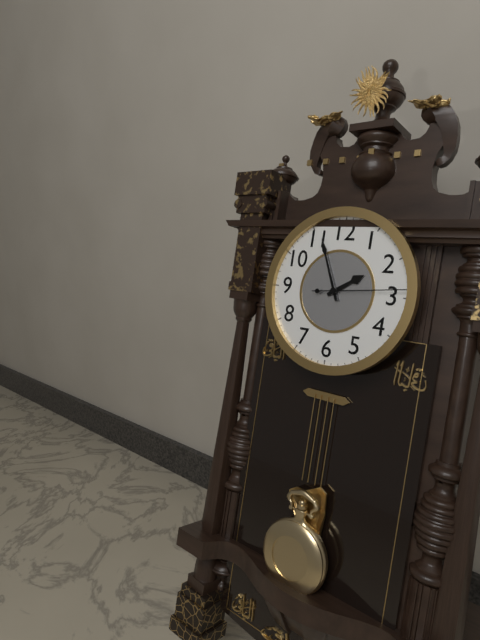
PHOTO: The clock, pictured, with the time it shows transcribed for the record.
1:56:14
